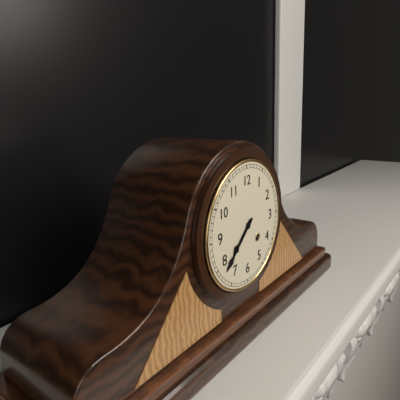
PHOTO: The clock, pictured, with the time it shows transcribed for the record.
7:38
